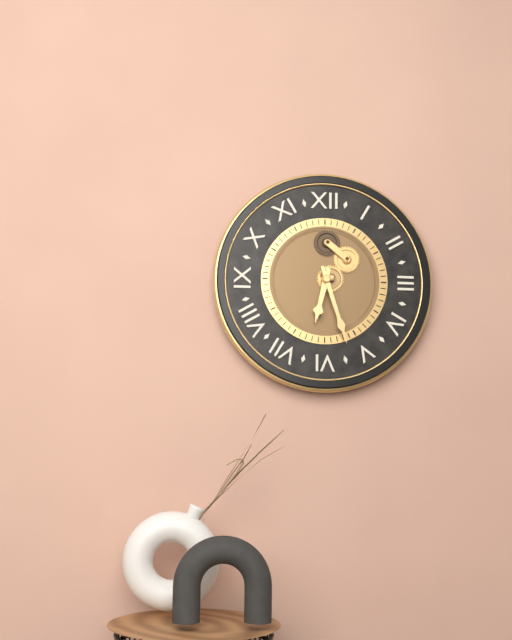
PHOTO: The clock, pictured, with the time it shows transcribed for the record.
6:27
